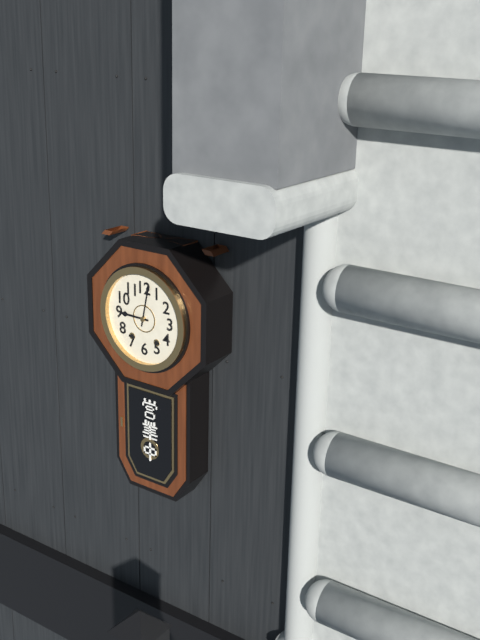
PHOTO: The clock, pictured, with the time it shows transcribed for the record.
9:02
